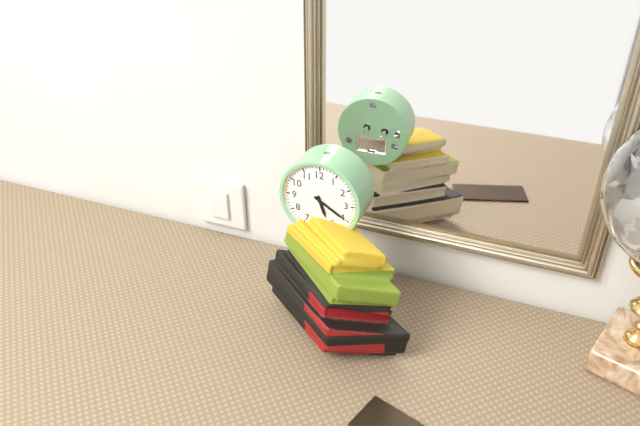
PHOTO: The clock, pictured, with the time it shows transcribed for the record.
5:20
